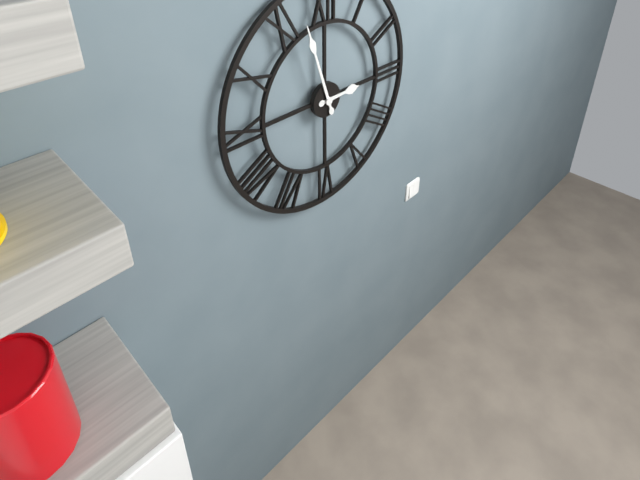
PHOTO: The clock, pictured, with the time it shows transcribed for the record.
2:57
